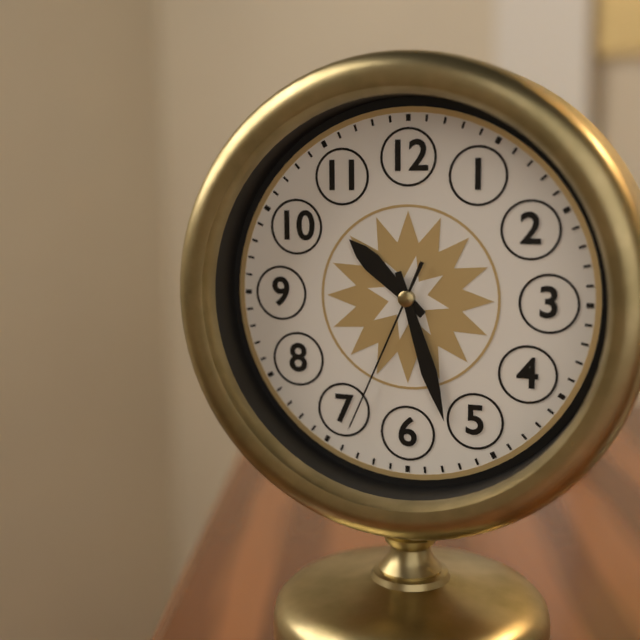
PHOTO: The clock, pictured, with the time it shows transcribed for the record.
10:27:34
